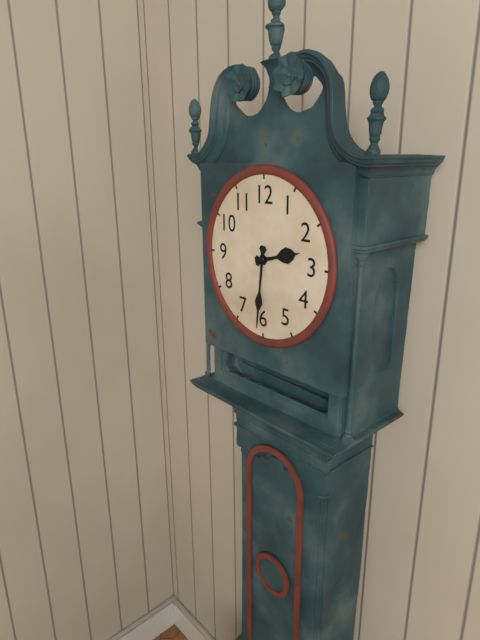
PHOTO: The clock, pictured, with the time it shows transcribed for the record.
2:31
